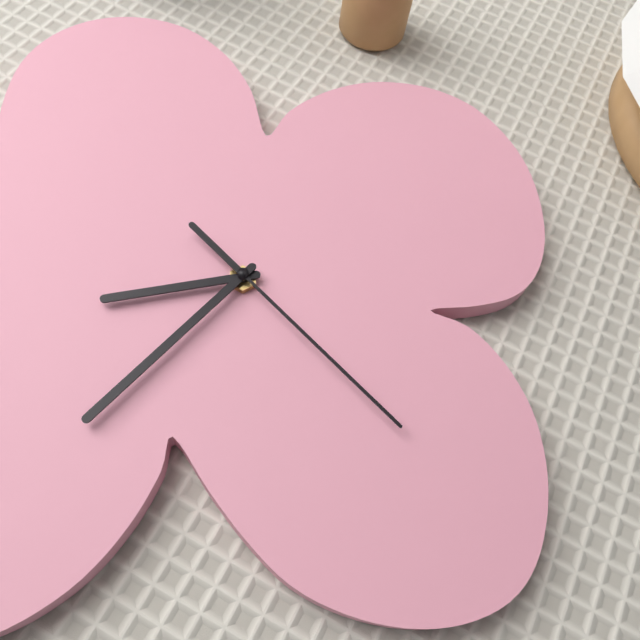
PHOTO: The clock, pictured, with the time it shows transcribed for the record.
8:37:23
